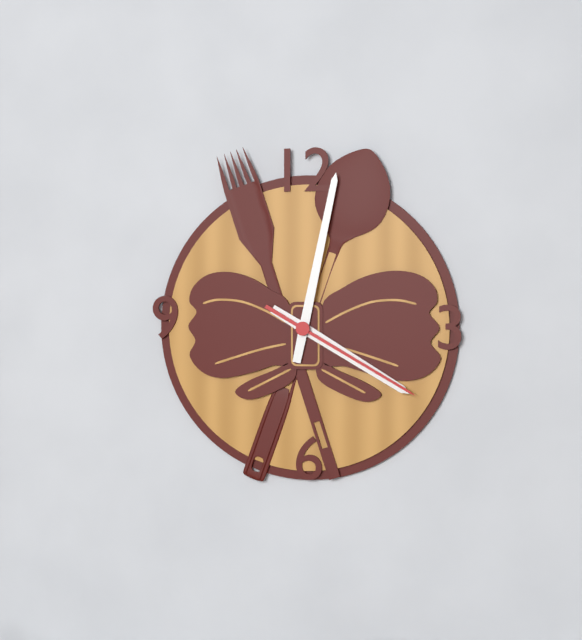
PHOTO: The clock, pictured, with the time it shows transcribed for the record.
4:02:20
